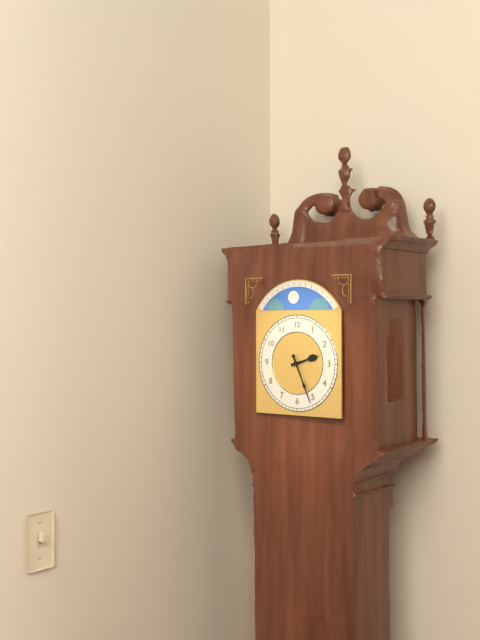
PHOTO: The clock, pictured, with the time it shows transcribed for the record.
2:26
